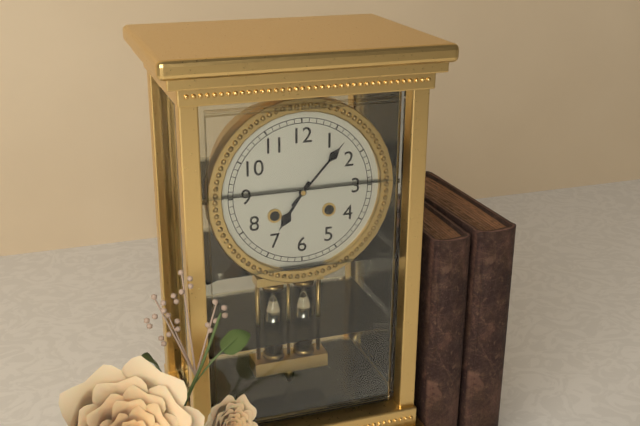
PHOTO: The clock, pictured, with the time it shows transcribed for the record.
7:07
